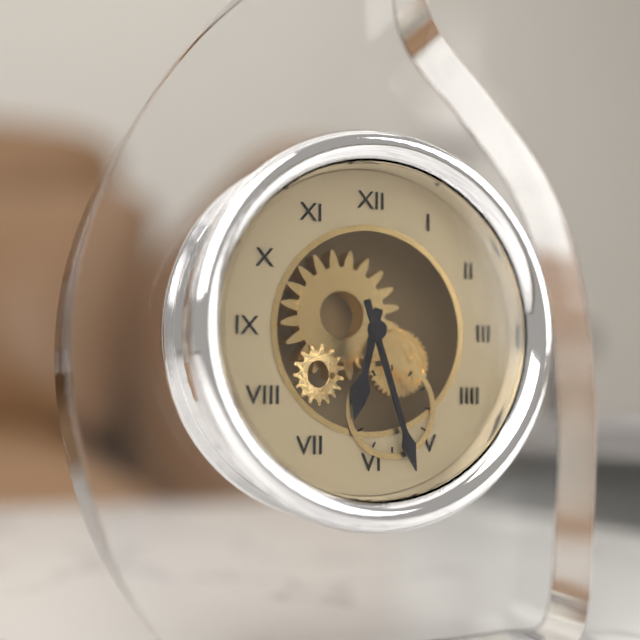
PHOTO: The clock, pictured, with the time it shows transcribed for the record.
6:27
